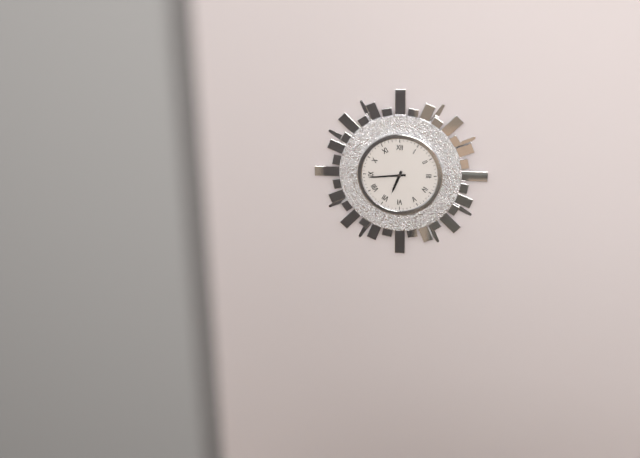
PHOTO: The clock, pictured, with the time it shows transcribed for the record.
6:44
